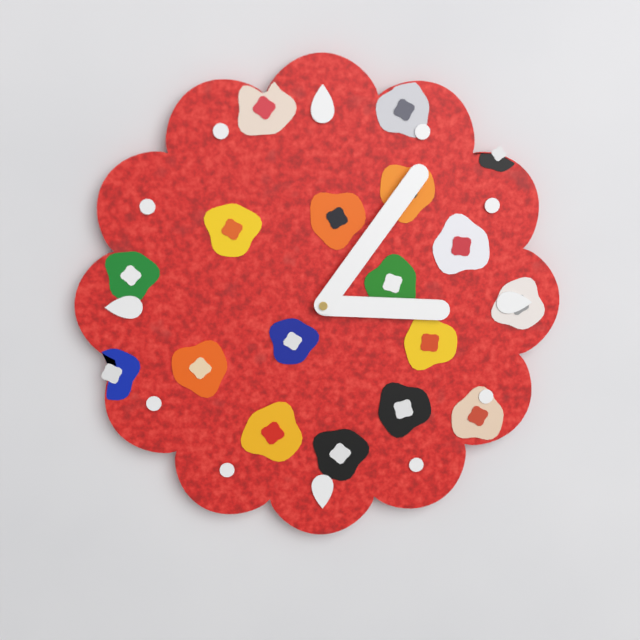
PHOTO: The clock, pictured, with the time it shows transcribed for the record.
3:06
